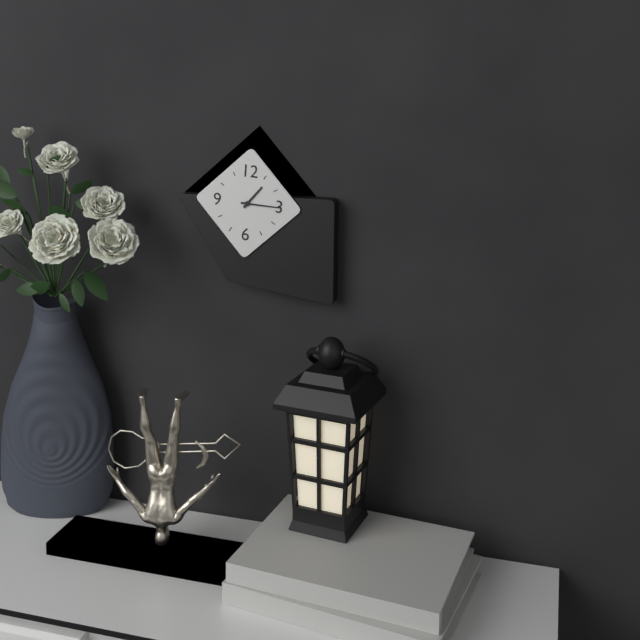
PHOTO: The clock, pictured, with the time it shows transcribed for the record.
1:15
